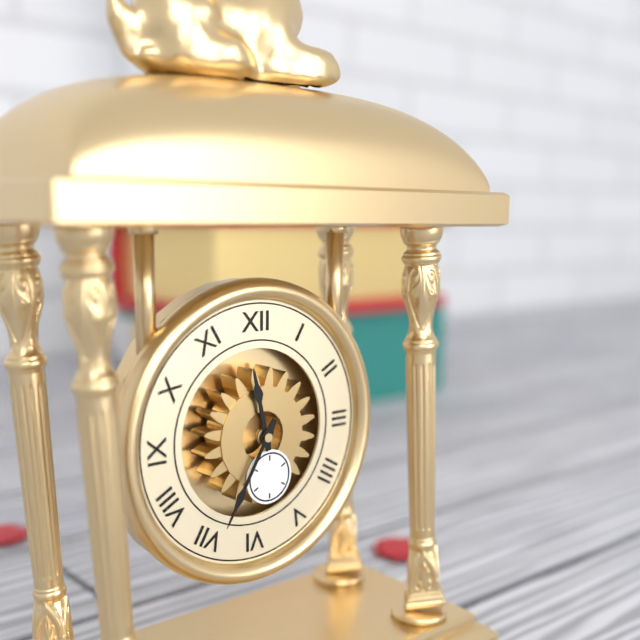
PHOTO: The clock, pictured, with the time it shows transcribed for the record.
11:35
